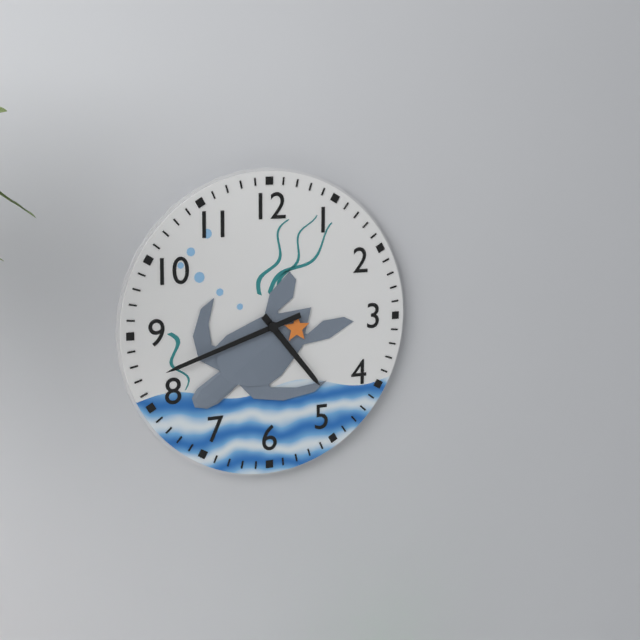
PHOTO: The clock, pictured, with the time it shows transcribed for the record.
4:42
